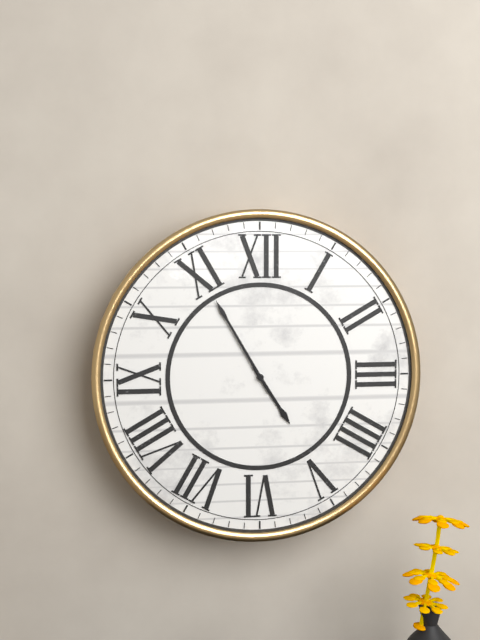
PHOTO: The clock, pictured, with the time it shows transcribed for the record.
4:55
